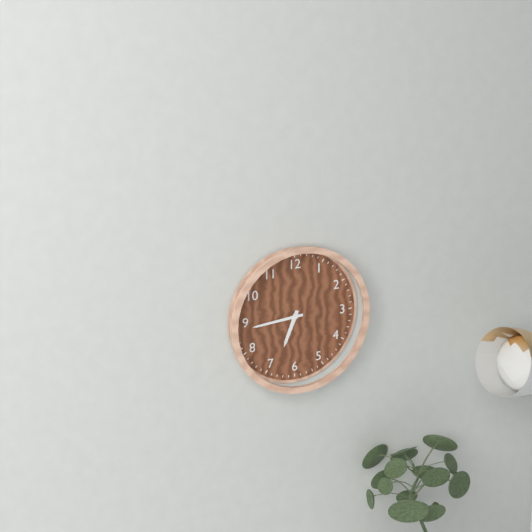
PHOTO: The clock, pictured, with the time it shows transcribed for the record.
6:44
